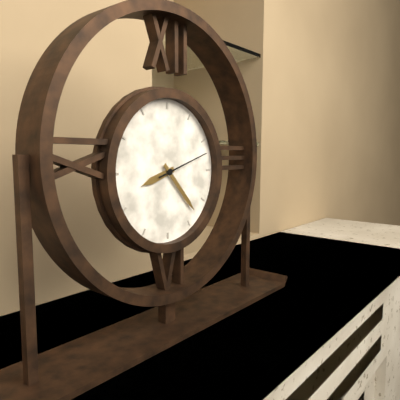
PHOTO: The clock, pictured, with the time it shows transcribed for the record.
8:23:12
